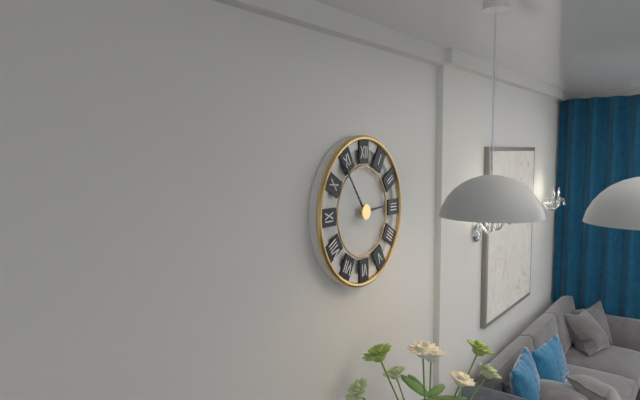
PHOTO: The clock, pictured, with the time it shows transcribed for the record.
2:54
